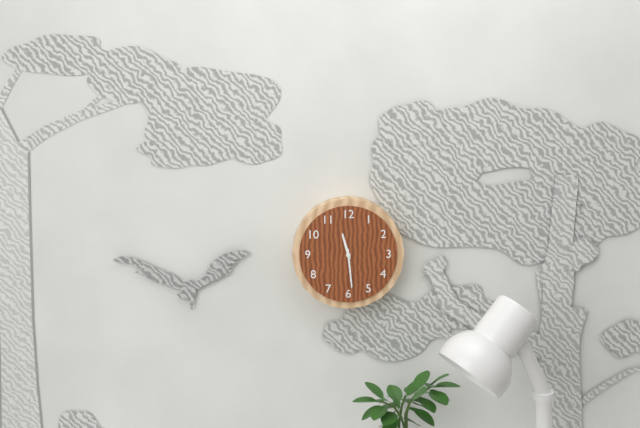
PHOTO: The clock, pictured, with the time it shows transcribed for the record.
11:29
